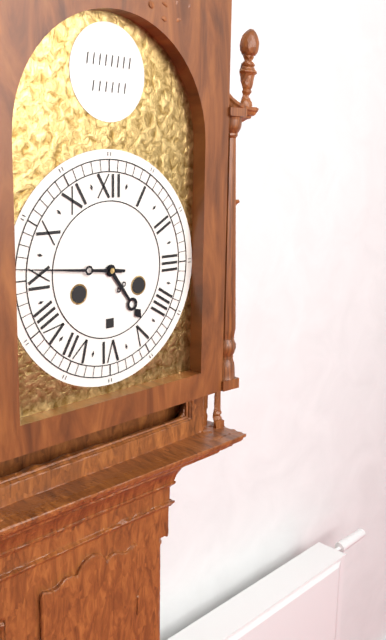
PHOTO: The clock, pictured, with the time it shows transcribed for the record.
4:46
